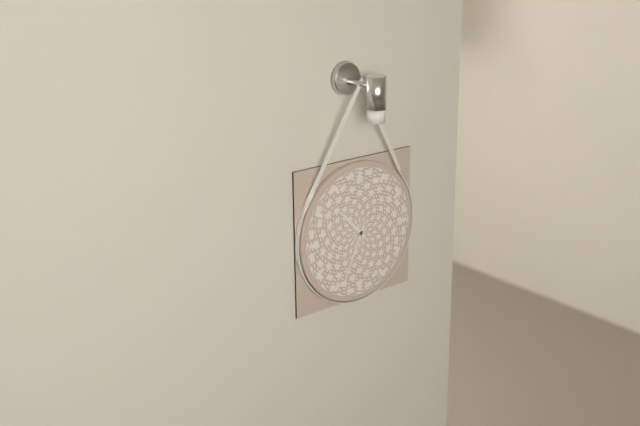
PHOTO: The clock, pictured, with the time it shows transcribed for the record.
10:34
